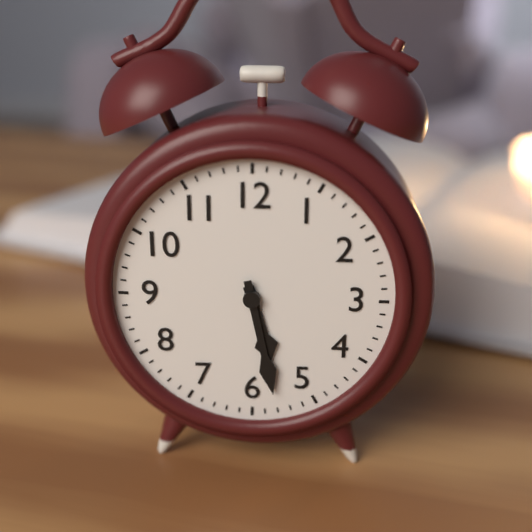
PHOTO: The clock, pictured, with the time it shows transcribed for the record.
5:28
